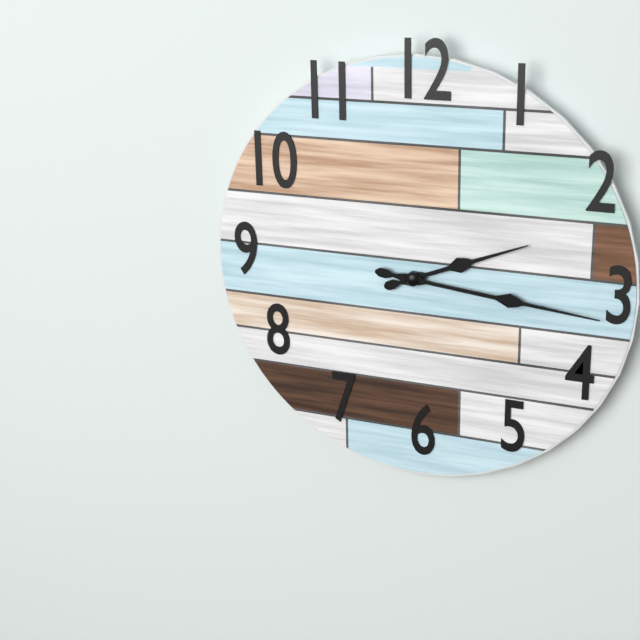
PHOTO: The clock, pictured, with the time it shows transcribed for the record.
2:16
